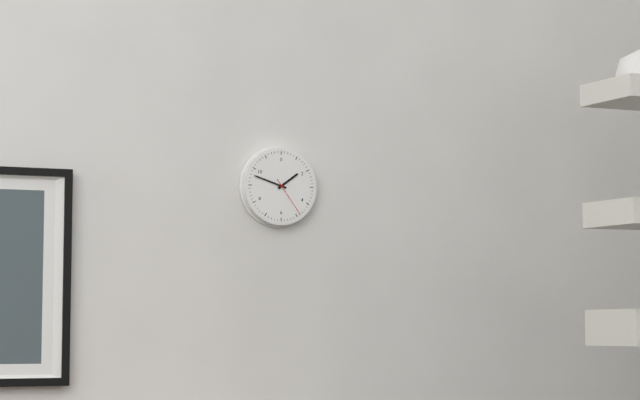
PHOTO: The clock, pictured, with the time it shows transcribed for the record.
1:48
